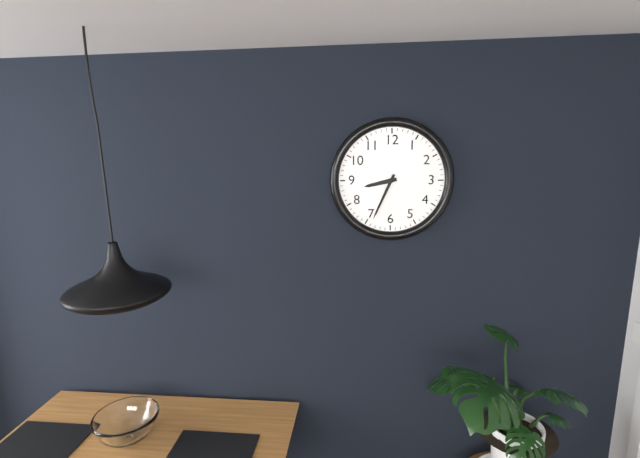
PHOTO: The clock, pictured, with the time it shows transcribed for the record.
8:34
